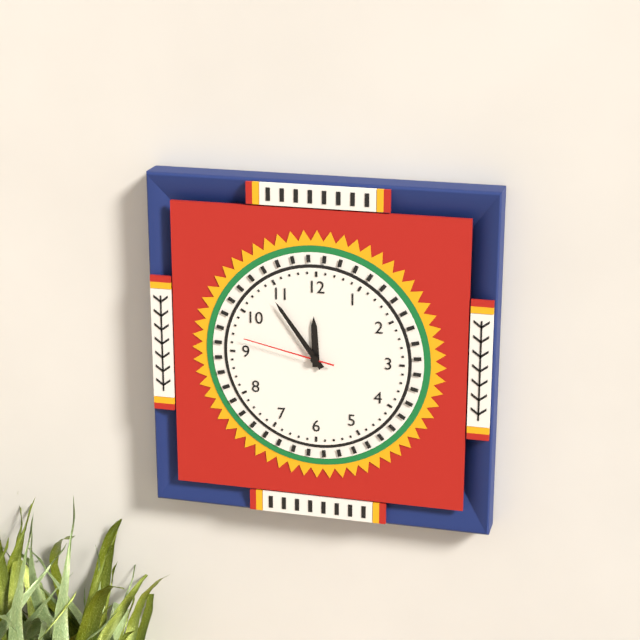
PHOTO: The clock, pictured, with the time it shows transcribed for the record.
11:54:47
